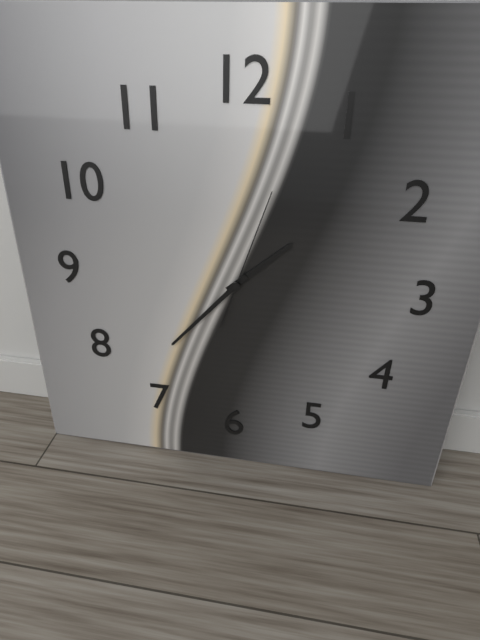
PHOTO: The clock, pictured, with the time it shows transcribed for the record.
1:37:03
